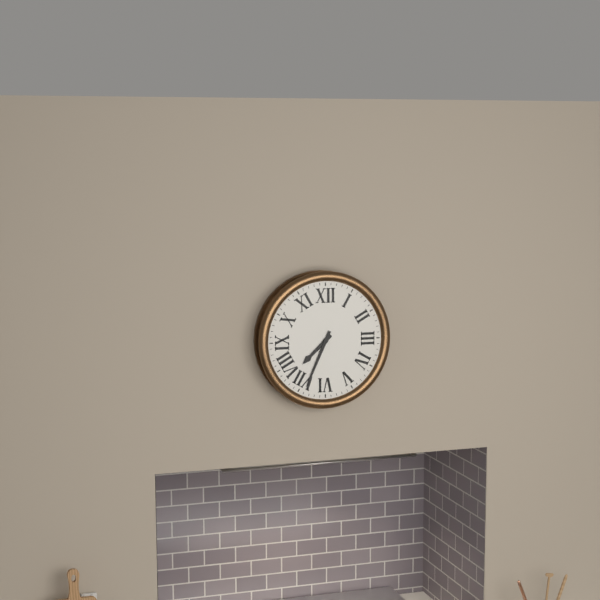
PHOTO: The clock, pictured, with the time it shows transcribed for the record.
7:34
